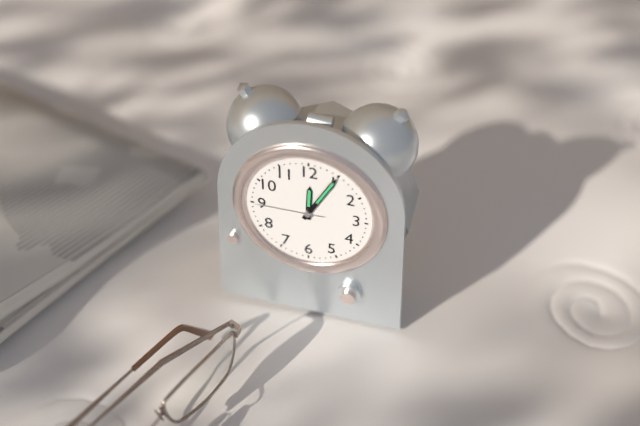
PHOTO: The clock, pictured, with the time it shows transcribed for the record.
12:05:45
